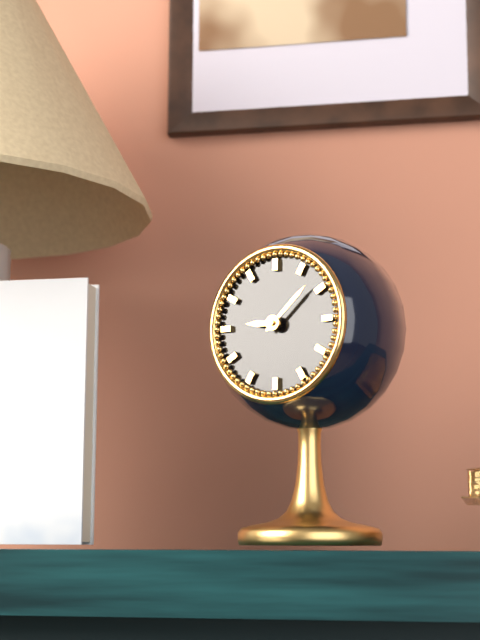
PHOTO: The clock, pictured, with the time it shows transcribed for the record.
9:08
